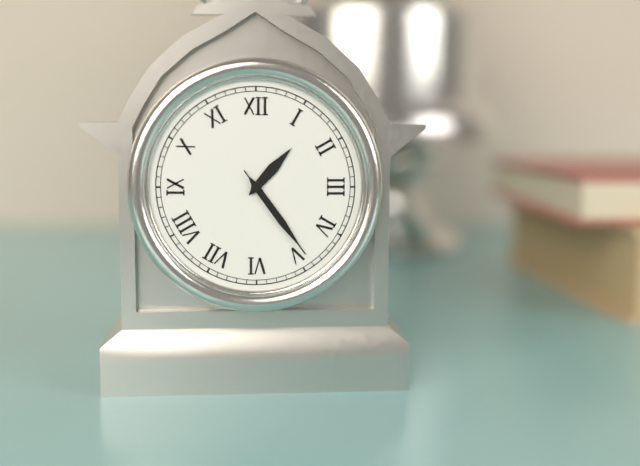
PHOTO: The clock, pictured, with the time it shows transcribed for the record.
1:24:24
